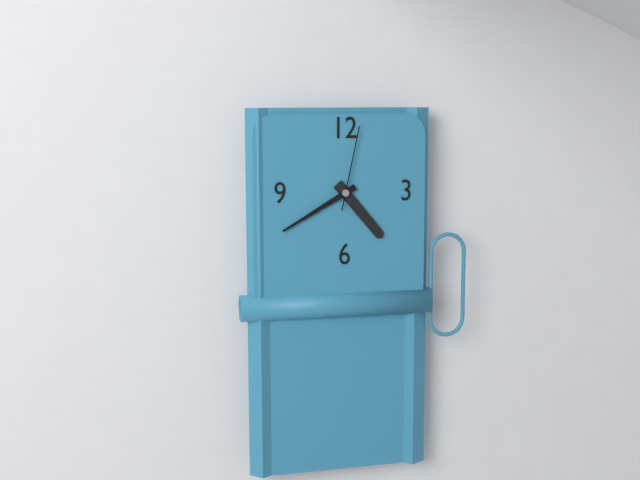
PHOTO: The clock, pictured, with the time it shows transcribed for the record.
4:40:02
